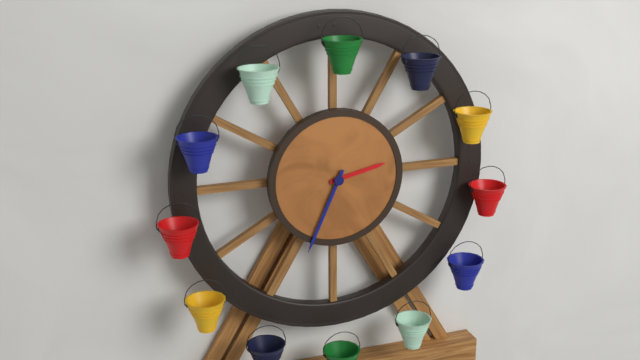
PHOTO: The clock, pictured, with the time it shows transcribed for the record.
2:34
